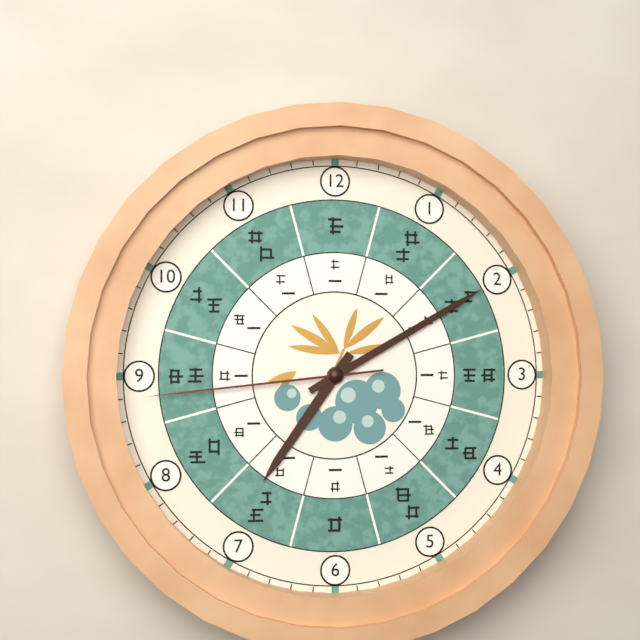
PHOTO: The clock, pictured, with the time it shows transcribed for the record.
7:10:44
